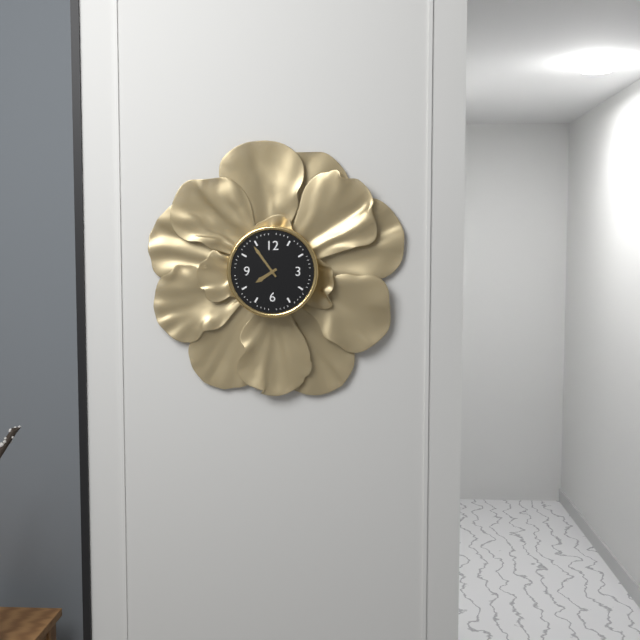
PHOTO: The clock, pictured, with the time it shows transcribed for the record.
7:54
